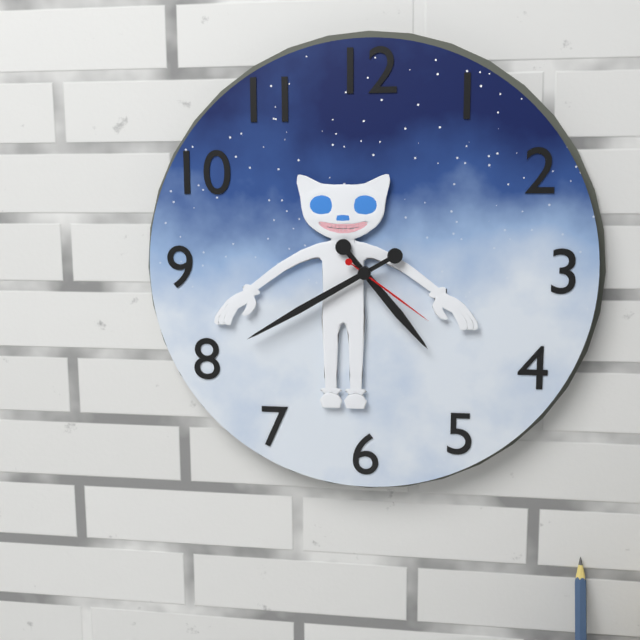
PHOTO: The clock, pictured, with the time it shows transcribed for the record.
4:40:21
